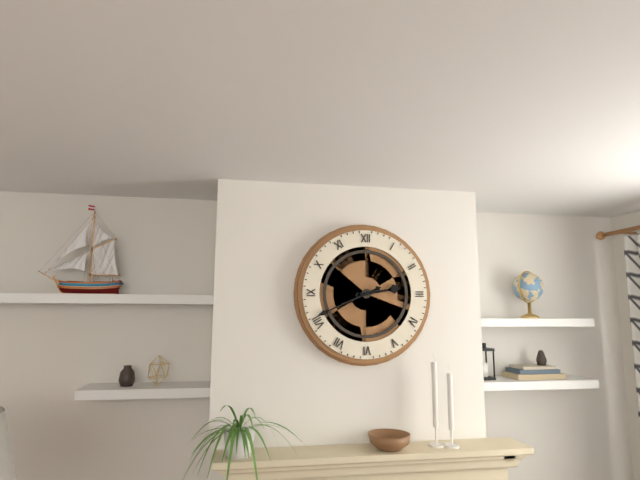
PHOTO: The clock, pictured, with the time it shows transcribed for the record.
2:41
